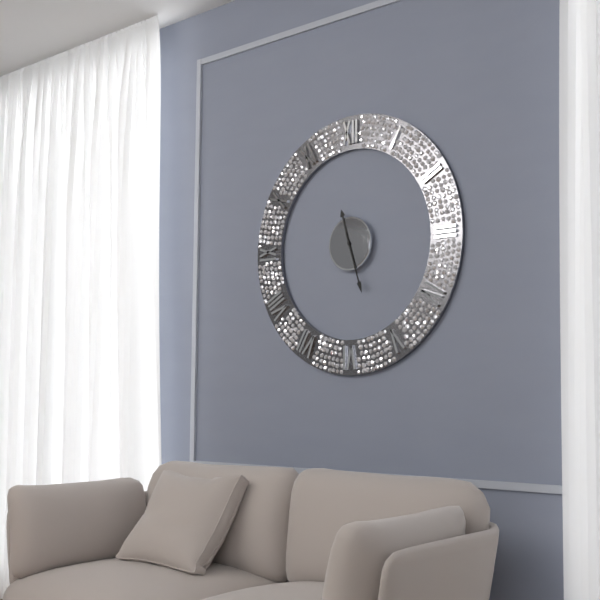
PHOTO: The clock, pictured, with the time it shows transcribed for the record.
11:27
